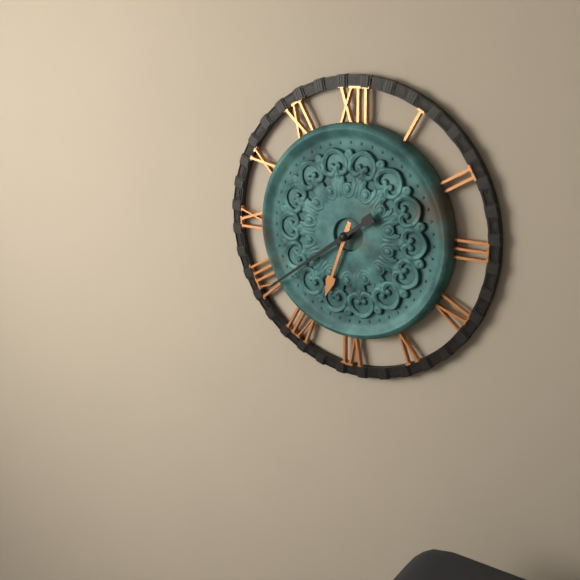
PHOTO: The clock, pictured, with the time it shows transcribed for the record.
6:39
